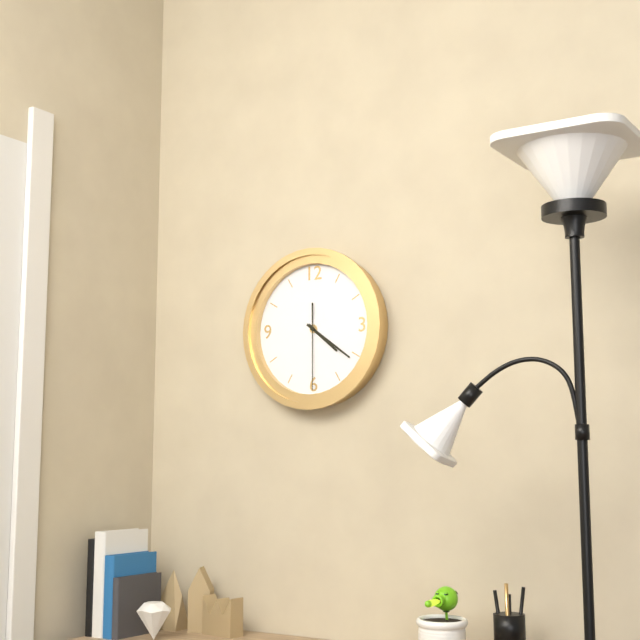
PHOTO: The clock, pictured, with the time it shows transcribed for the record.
4:21:30
